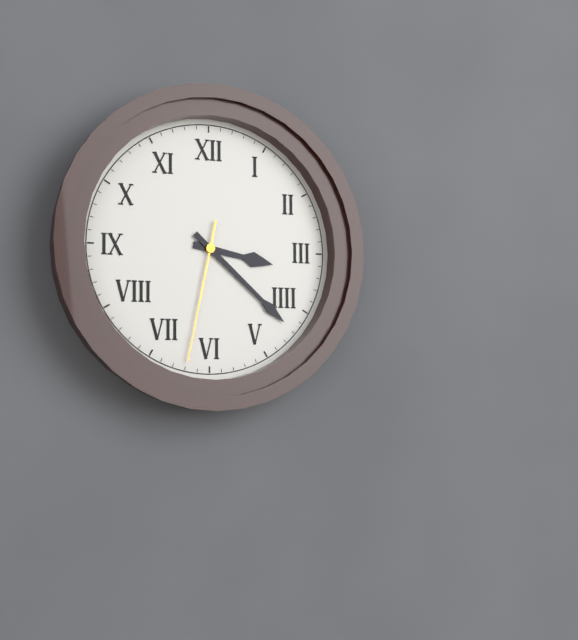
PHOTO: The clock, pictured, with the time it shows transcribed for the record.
3:22:32
